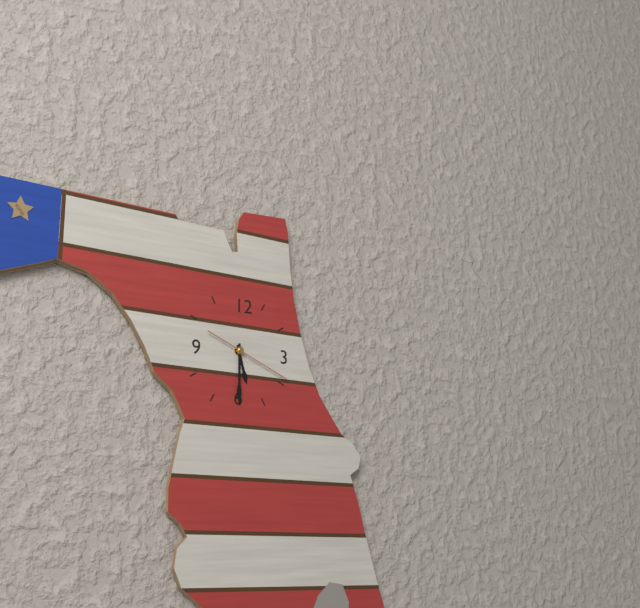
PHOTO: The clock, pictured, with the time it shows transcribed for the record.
5:30:19
